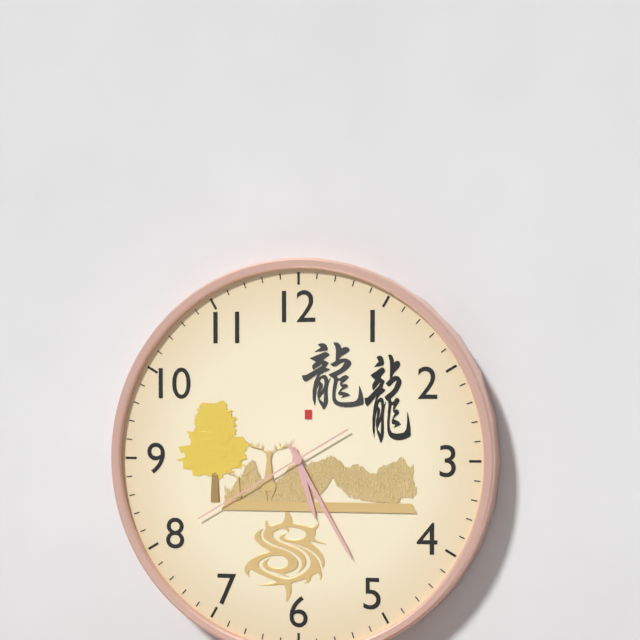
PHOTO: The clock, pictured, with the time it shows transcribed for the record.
5:25:40
